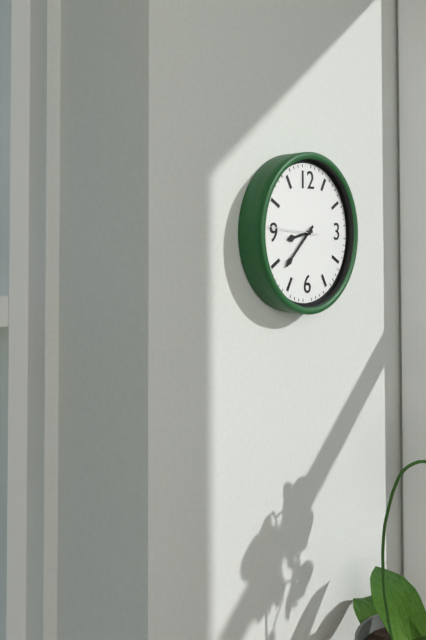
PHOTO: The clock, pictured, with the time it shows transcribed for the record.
8:38
